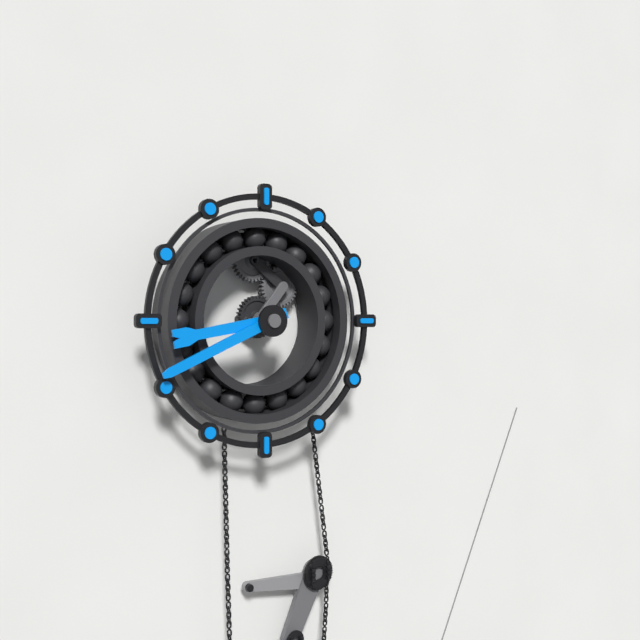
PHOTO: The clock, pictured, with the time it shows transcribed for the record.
8:41
